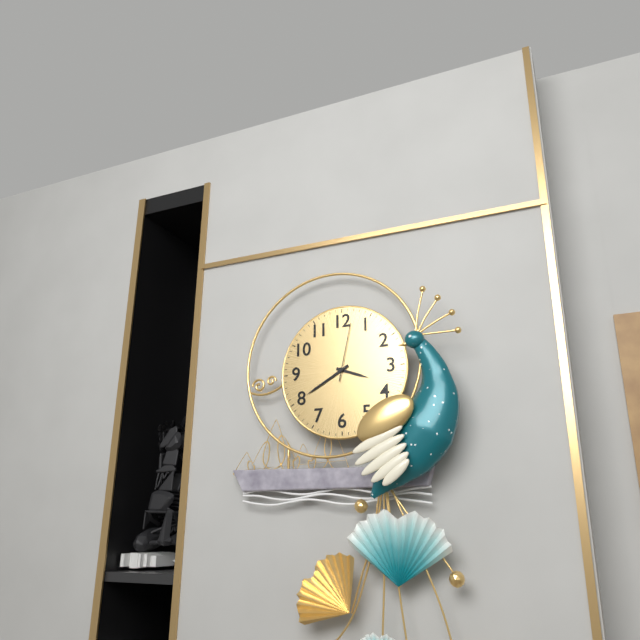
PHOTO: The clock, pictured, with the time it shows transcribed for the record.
3:40:02
